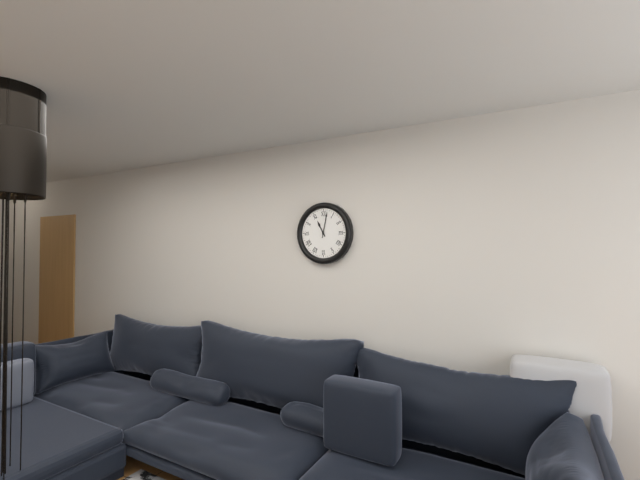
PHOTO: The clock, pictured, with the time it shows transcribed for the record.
11:02
